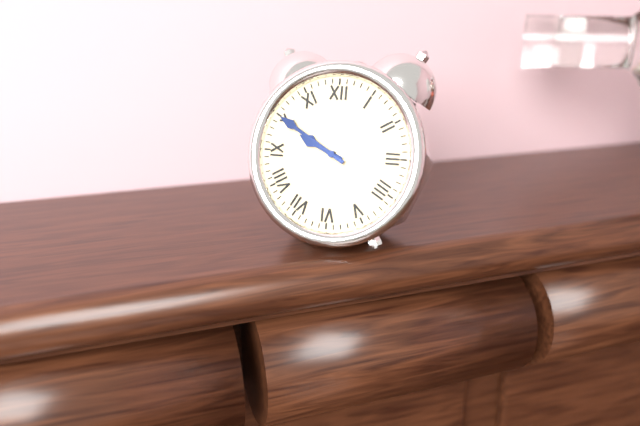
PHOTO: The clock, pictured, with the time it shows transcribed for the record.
9:50
